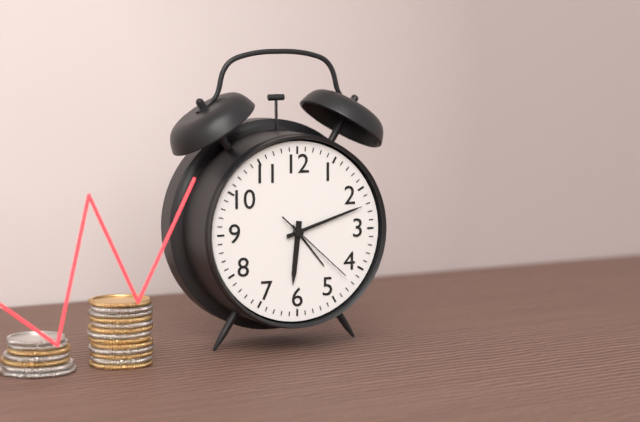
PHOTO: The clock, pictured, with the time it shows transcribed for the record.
6:12:22
